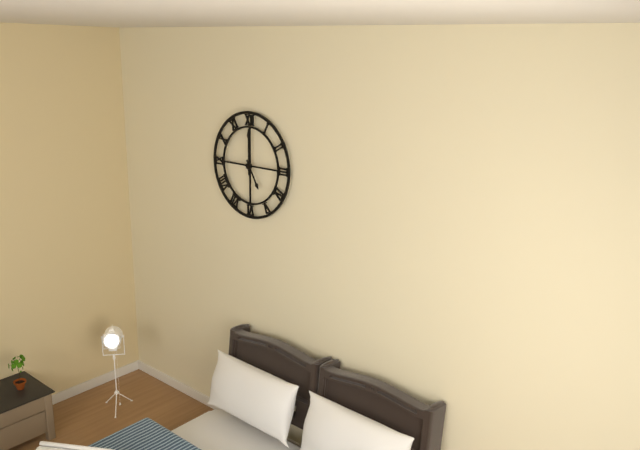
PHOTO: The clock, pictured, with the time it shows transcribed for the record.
5:00
